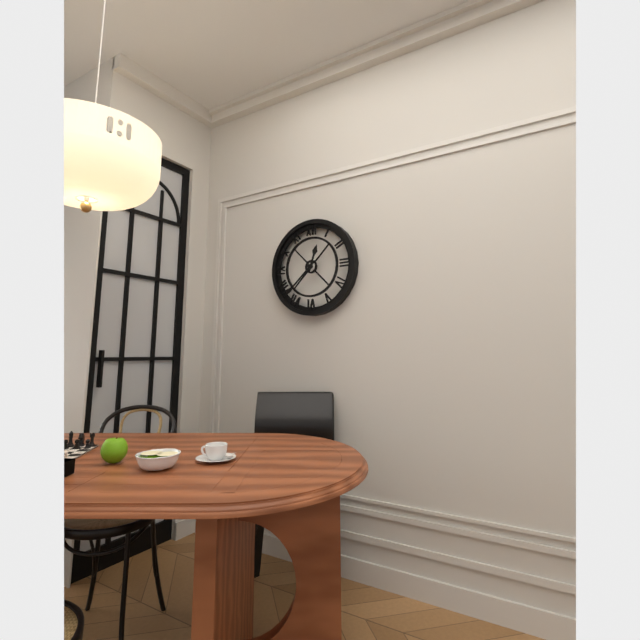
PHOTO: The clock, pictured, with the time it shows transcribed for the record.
12:38
